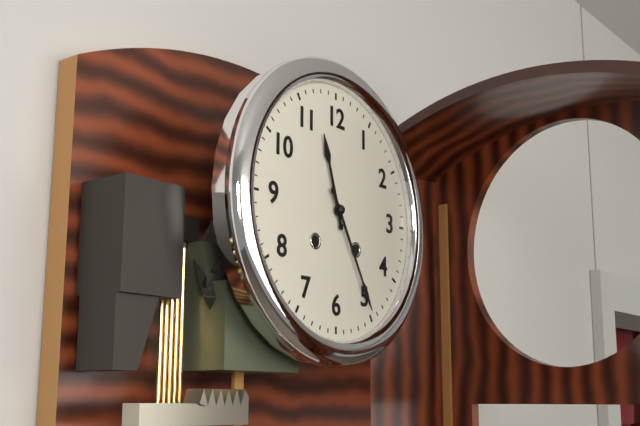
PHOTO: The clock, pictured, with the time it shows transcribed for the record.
11:25
